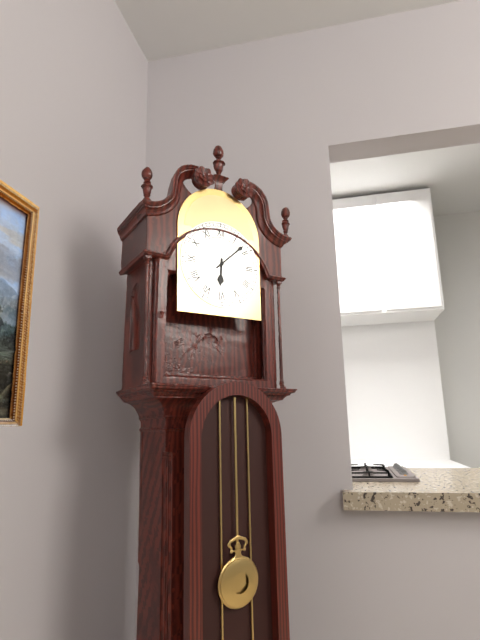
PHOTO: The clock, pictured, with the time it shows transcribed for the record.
6:08
